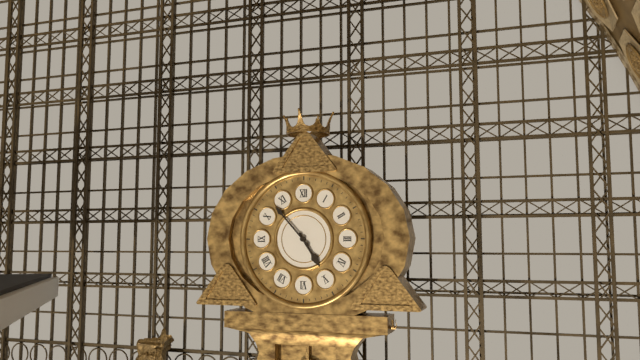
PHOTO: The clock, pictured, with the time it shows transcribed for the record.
4:53
